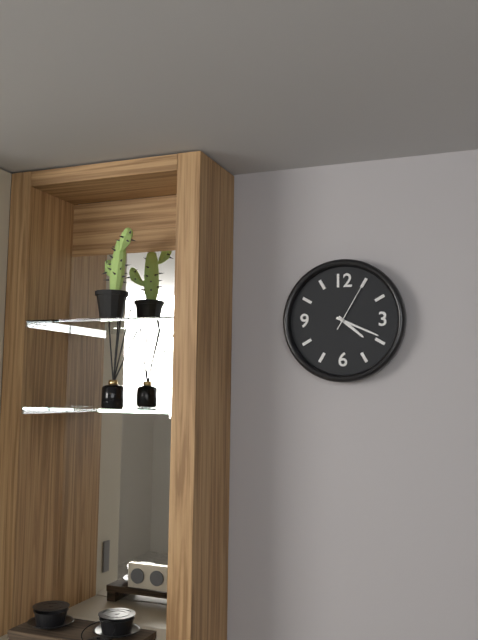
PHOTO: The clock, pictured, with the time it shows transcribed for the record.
4:19:05
